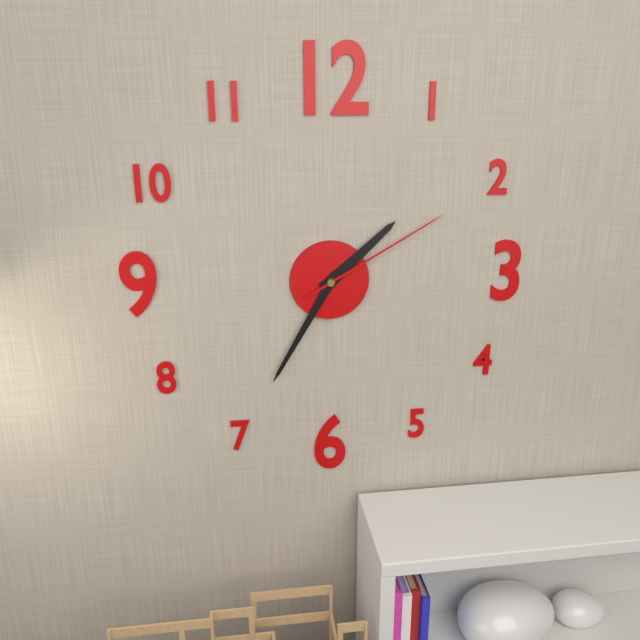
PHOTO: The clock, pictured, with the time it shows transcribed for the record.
1:35:10
